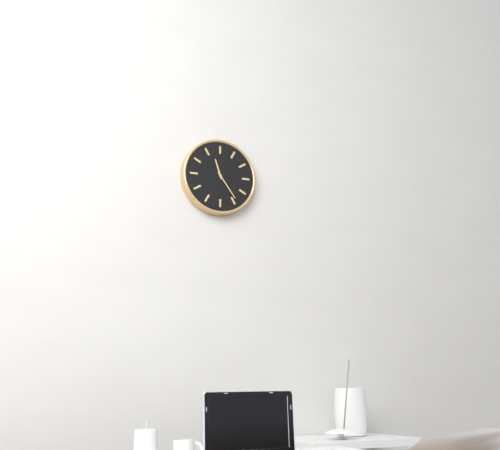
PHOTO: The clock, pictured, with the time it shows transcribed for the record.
11:24
